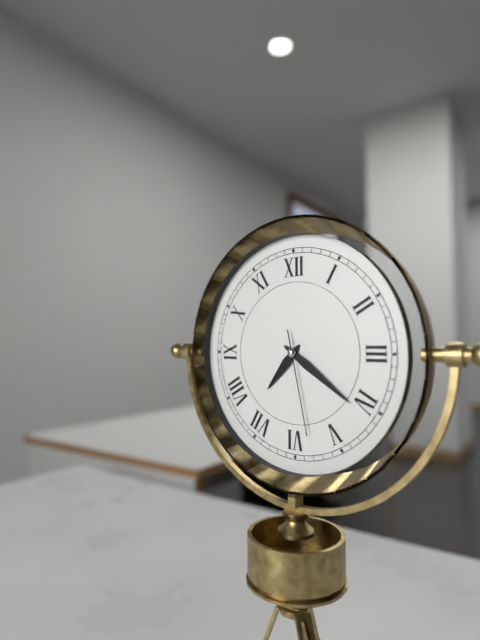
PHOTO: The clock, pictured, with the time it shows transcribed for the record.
7:21:28
